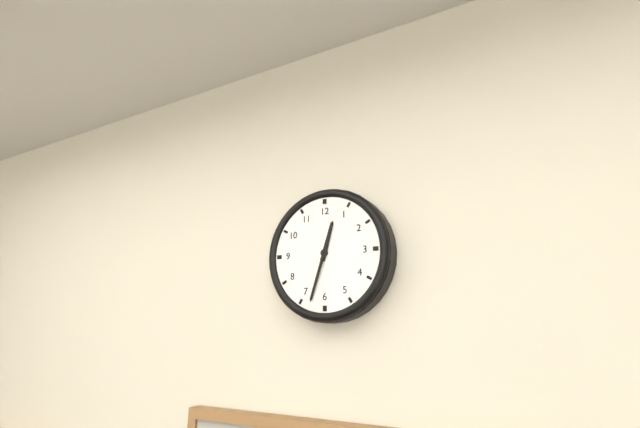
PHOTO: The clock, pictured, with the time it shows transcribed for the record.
12:33
